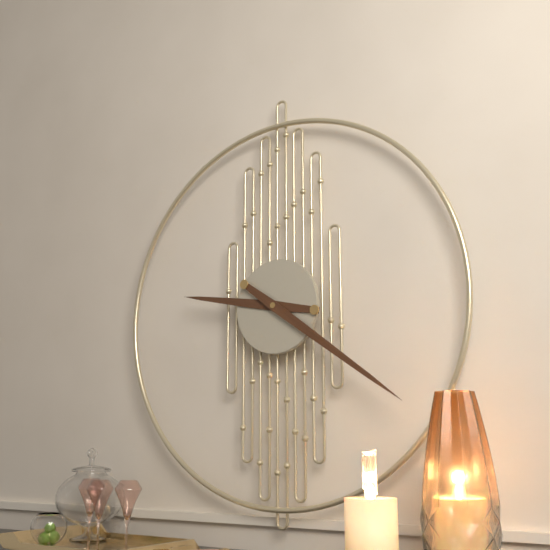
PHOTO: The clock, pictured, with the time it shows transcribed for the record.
9:21
